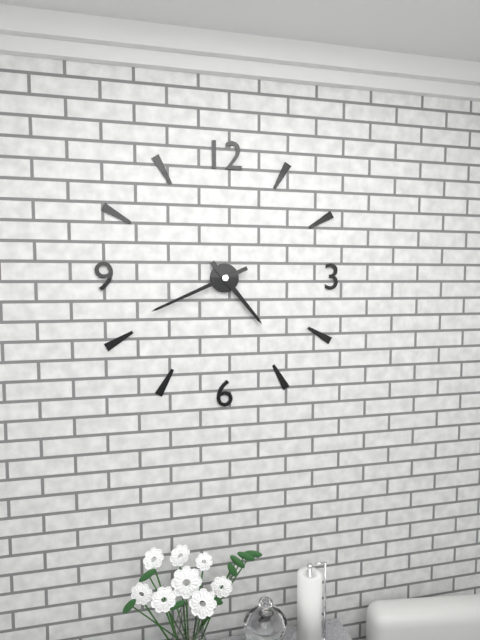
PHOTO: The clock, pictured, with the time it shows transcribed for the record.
4:41
